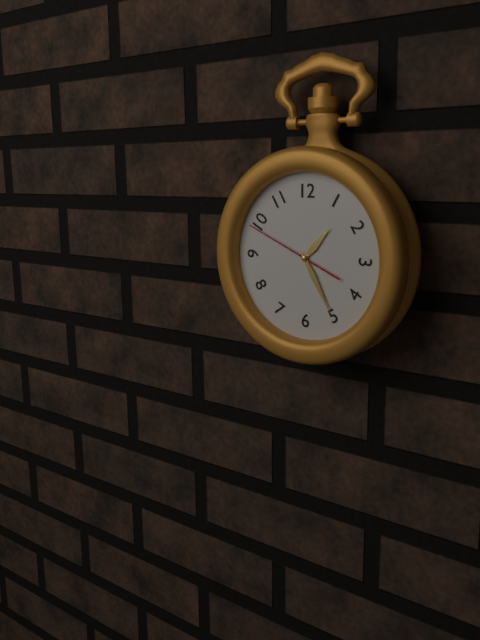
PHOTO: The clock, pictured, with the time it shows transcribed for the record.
1:25:49
